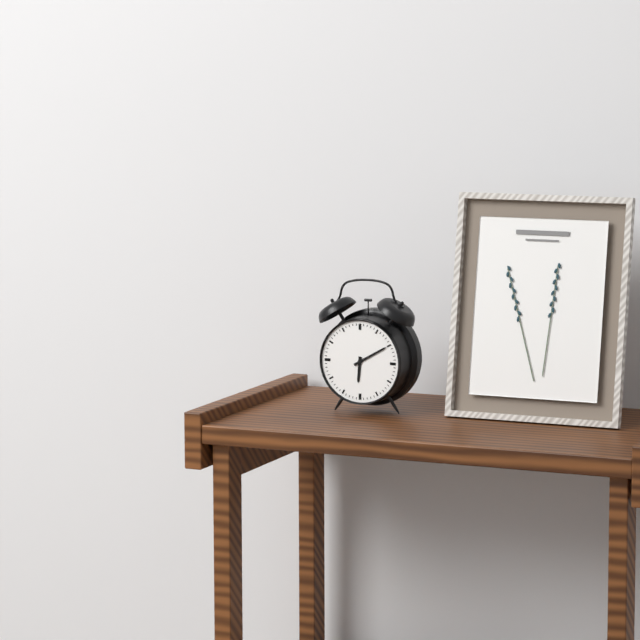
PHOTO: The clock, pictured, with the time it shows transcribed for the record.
6:10
